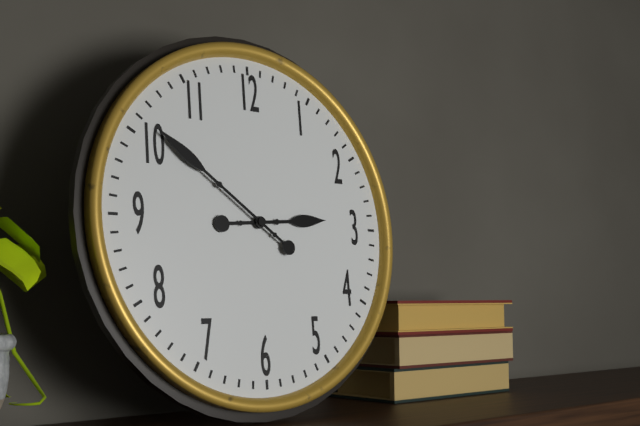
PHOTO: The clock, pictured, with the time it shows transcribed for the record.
2:51
